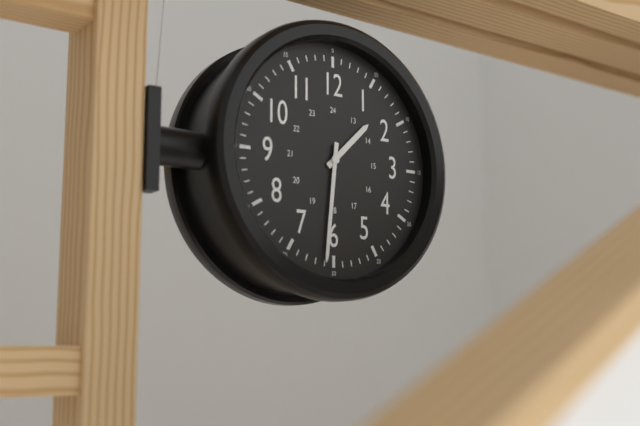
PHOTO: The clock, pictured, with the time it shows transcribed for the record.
1:31
